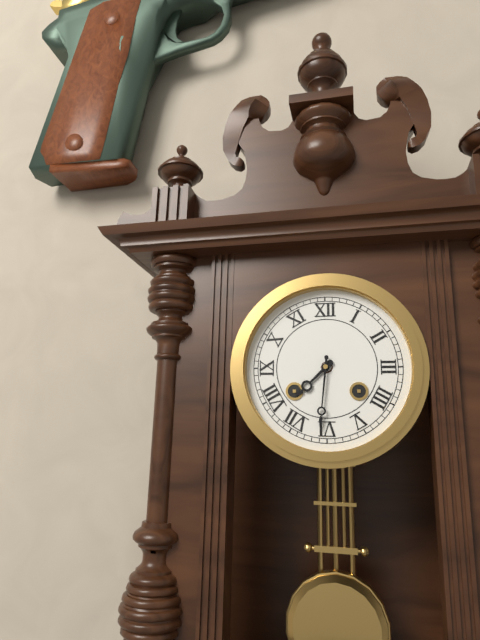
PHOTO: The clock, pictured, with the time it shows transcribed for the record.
7:31
